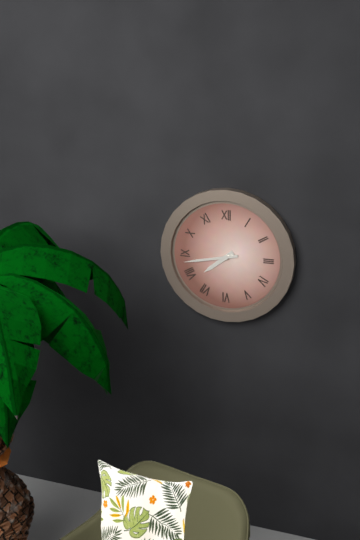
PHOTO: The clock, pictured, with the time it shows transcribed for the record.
7:43
